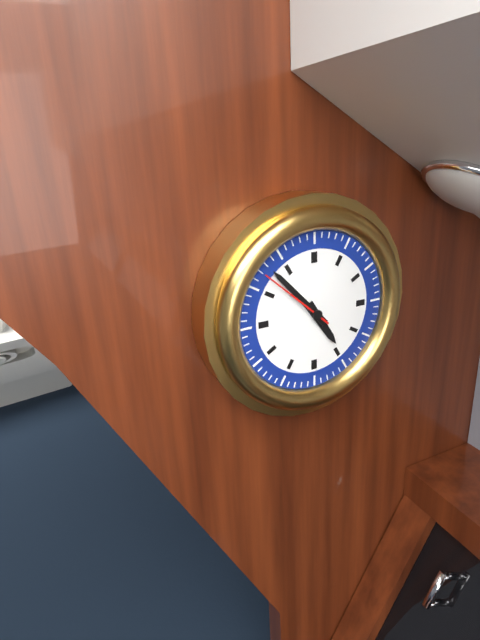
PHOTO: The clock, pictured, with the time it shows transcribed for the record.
4:53:52
